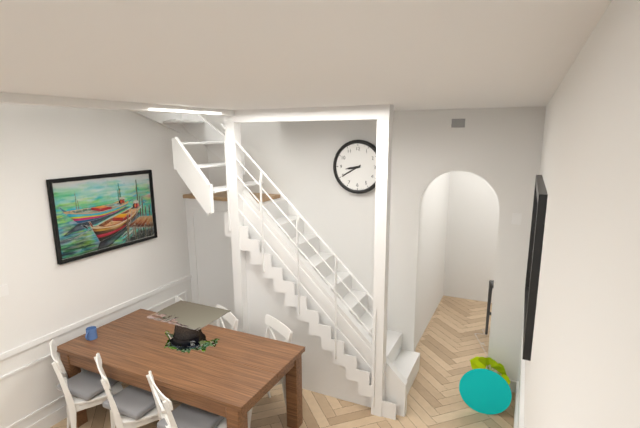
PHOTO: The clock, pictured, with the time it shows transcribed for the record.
8:40
